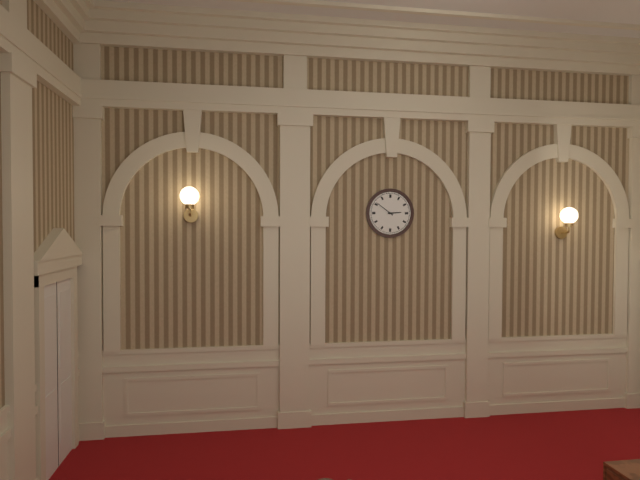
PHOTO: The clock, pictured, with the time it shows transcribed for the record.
2:51
